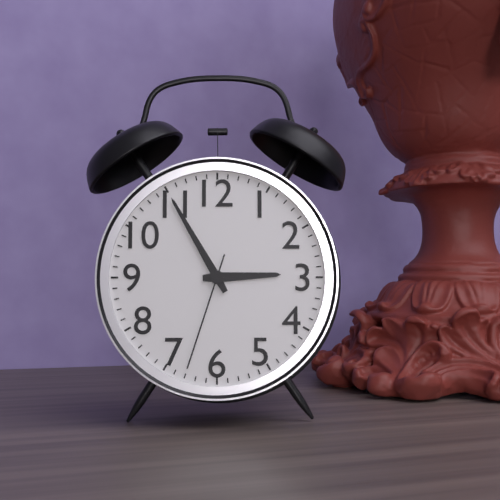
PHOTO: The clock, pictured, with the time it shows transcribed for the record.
2:55:33
